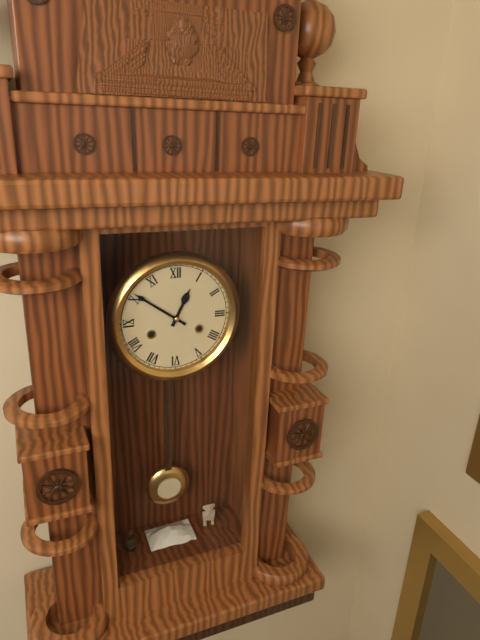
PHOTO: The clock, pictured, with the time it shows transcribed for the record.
12:51
